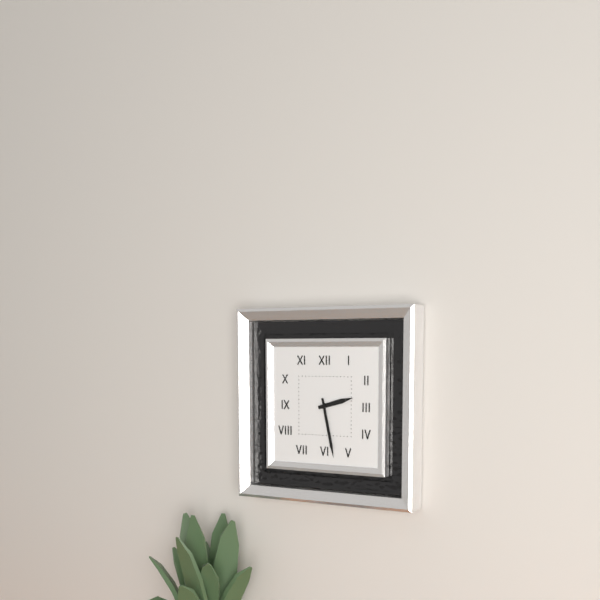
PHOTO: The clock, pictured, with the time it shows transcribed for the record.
2:28
